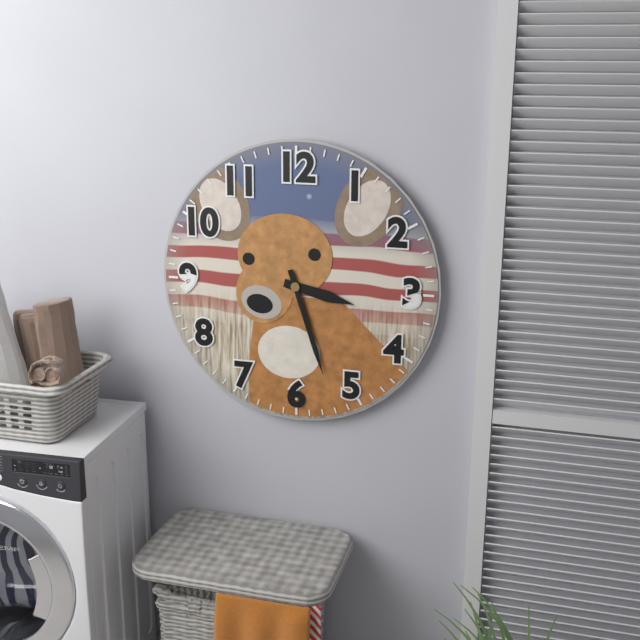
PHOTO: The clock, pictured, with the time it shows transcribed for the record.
3:27
